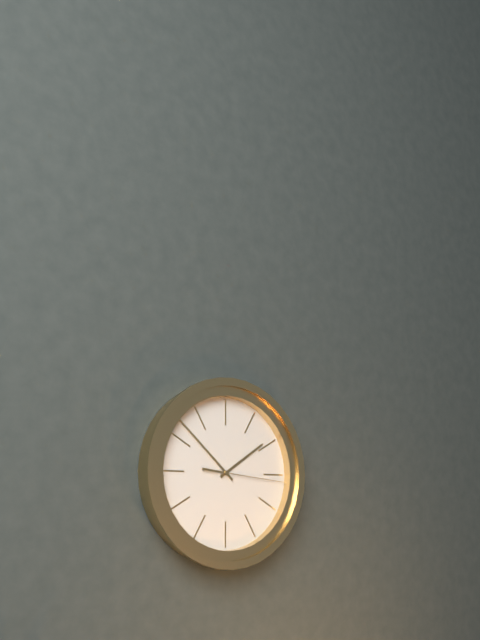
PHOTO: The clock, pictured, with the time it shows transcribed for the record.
1:52:16
